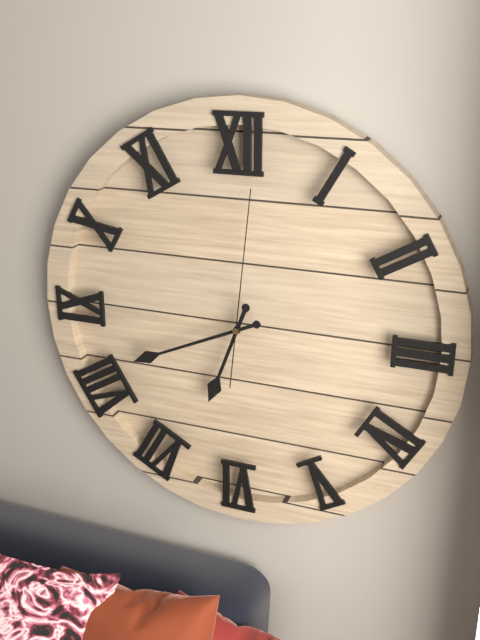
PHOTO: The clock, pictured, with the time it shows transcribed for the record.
6:41:01
